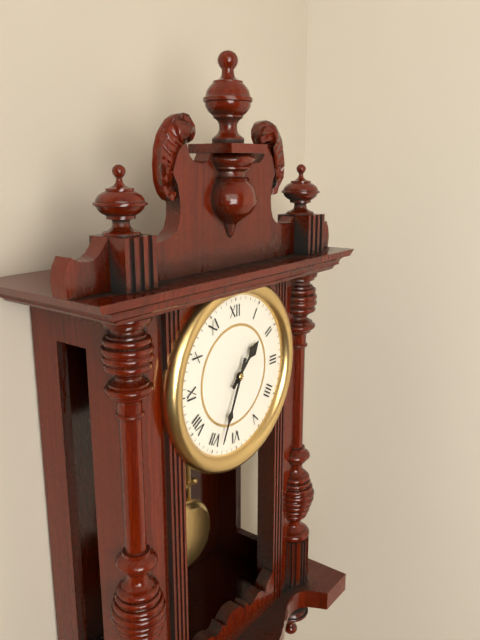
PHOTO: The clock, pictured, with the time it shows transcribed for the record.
1:34
